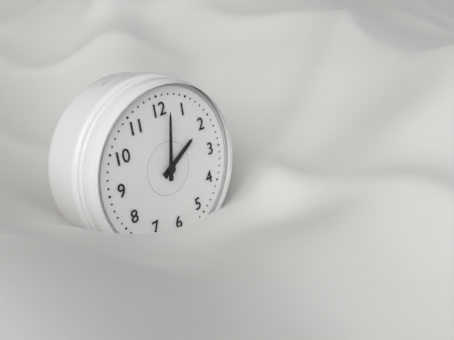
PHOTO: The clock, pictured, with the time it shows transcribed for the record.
2:02
